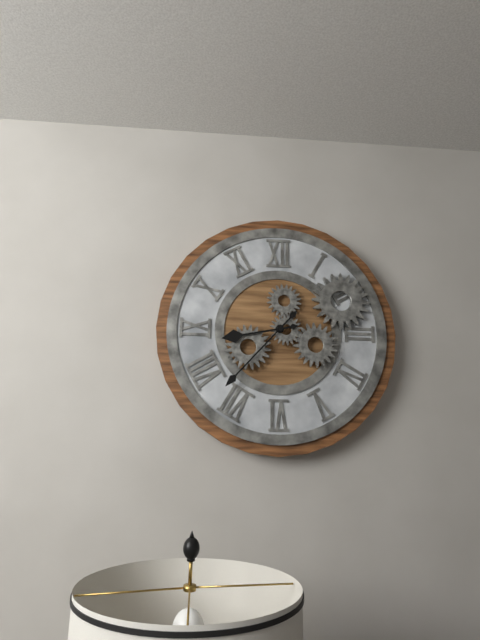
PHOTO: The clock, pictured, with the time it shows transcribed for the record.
8:37
